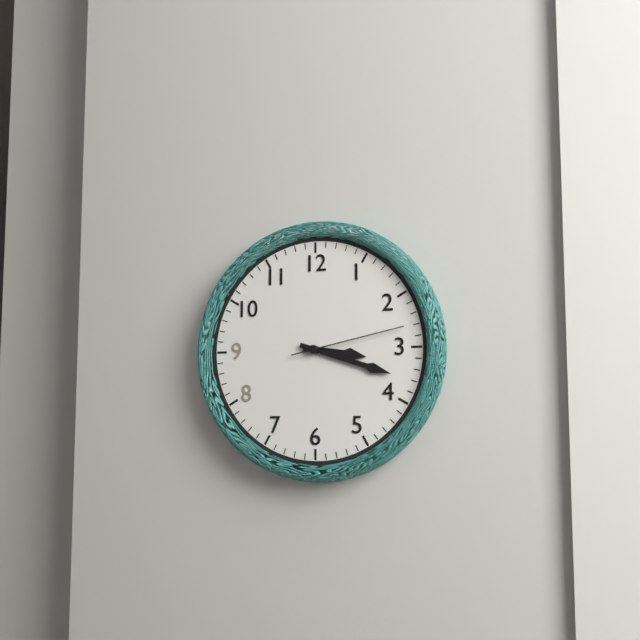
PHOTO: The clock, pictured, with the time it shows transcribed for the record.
3:18:13
